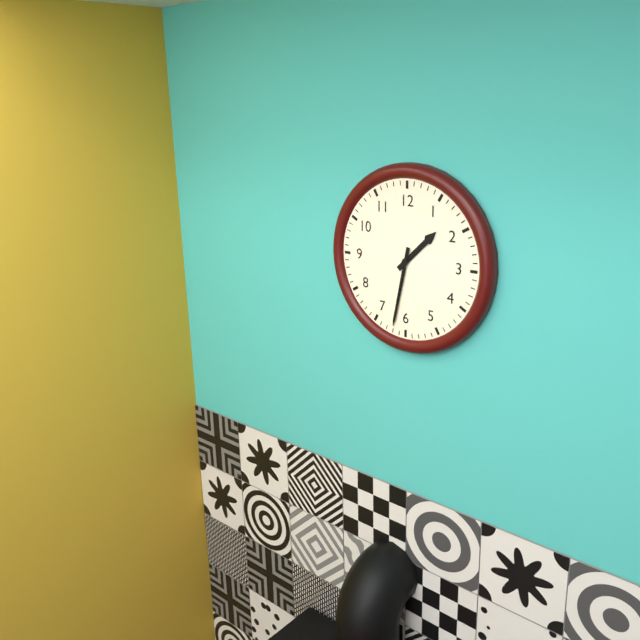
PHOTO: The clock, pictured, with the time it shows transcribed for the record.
1:32
